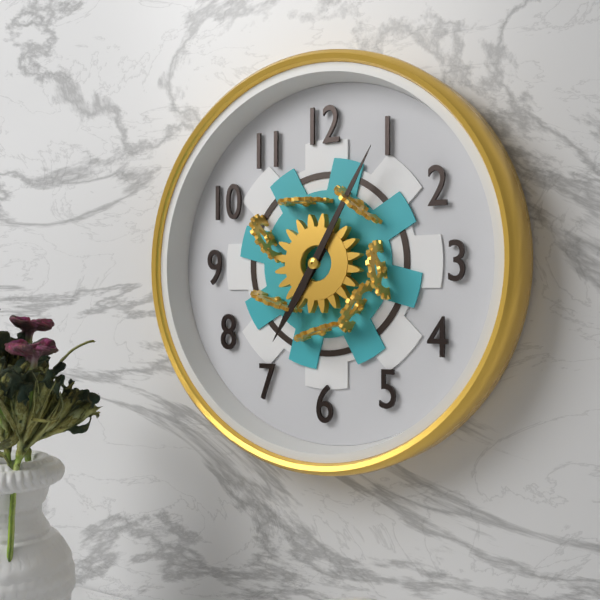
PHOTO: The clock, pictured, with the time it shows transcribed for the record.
7:05
